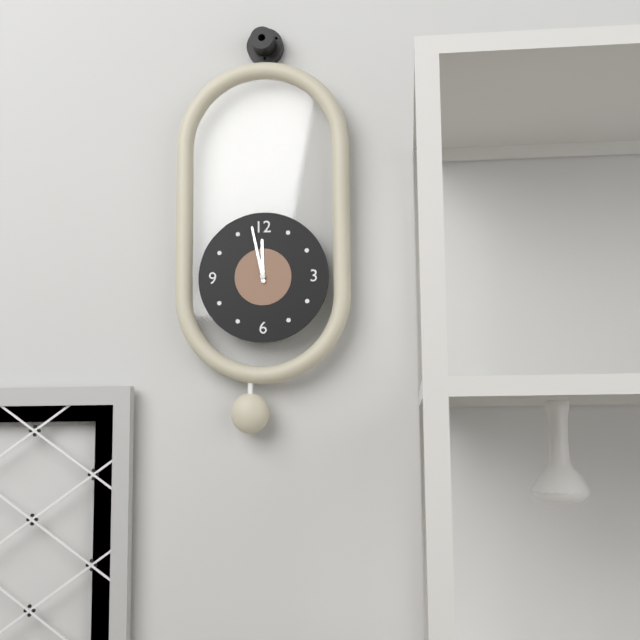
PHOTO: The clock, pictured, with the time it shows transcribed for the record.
11:58
